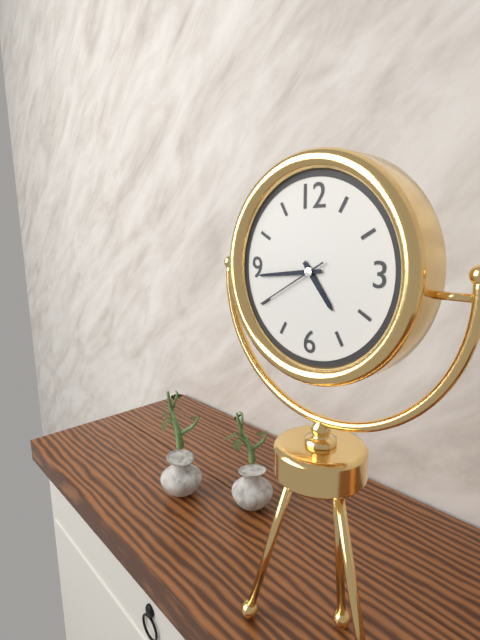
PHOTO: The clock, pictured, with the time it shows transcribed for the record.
4:44:40
